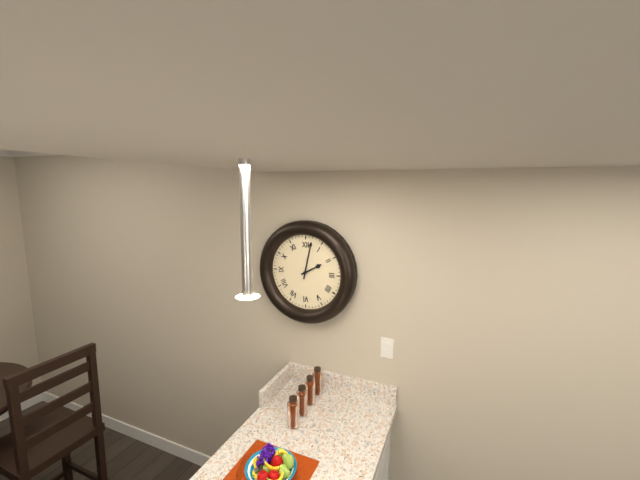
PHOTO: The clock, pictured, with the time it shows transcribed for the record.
2:02
